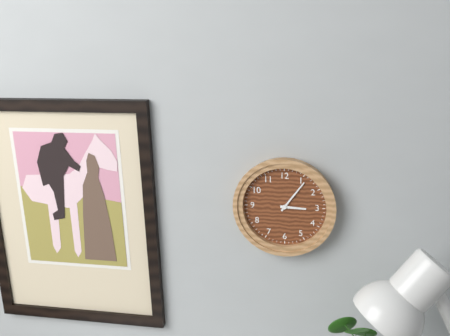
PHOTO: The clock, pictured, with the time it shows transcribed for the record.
3:06
